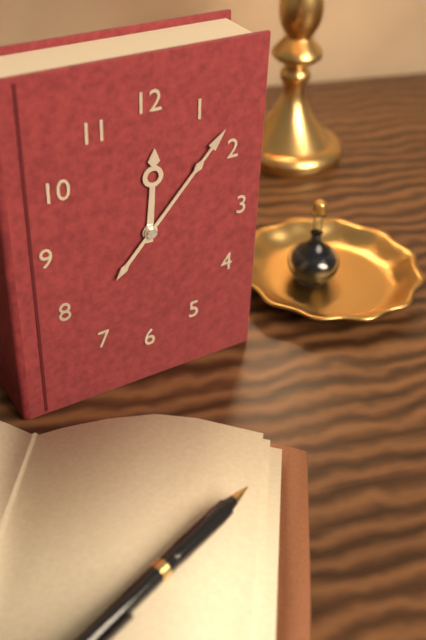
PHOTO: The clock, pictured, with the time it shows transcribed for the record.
12:07
